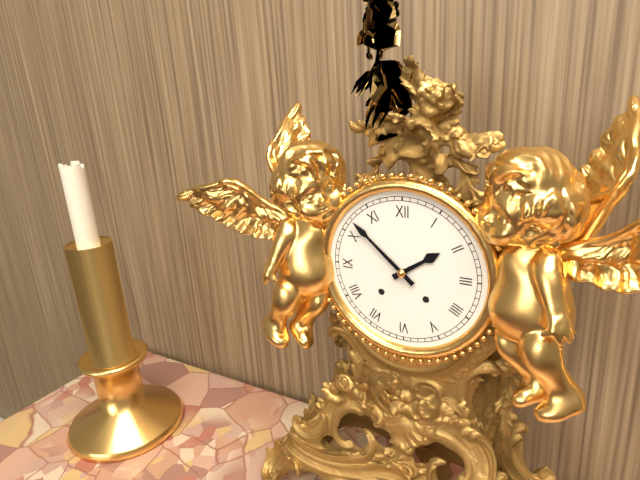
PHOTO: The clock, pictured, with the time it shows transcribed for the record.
1:52
